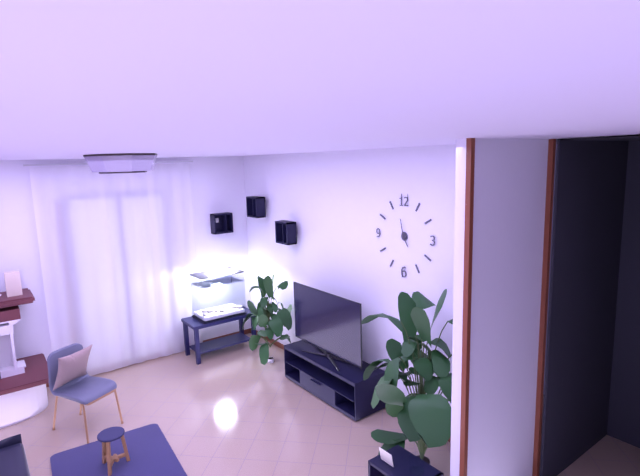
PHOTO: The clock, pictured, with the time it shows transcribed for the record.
4:58
